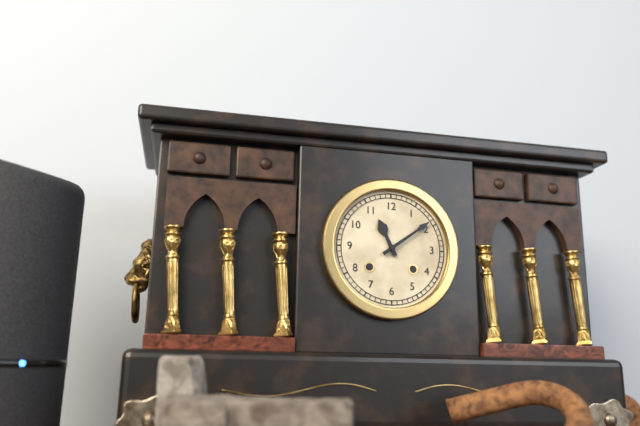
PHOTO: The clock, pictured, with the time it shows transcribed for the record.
11:09
